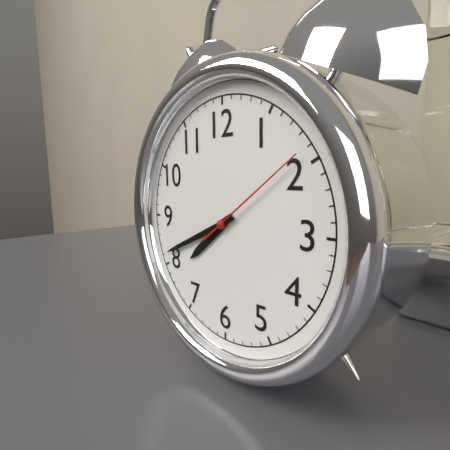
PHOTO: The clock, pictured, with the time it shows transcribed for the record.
7:41:09
